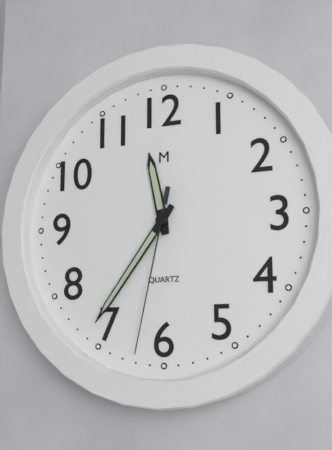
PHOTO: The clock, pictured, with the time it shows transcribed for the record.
11:36:32
